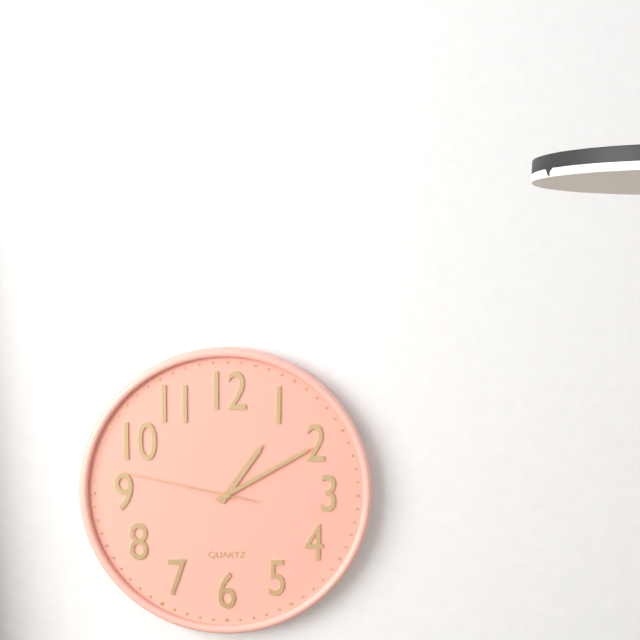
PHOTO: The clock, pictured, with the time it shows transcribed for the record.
1:10:47
